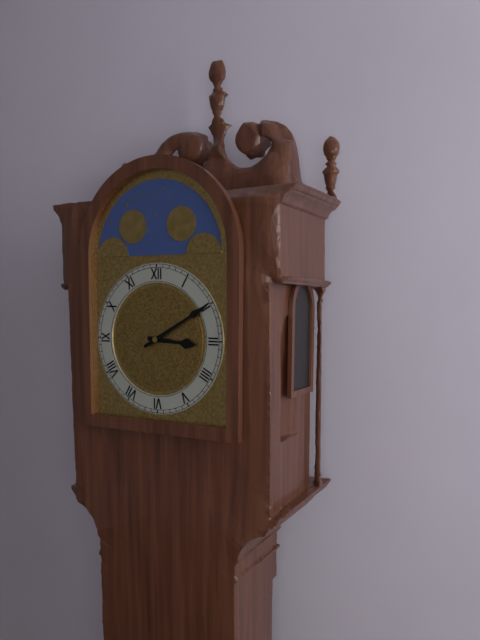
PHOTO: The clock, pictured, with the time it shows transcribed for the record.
3:10
